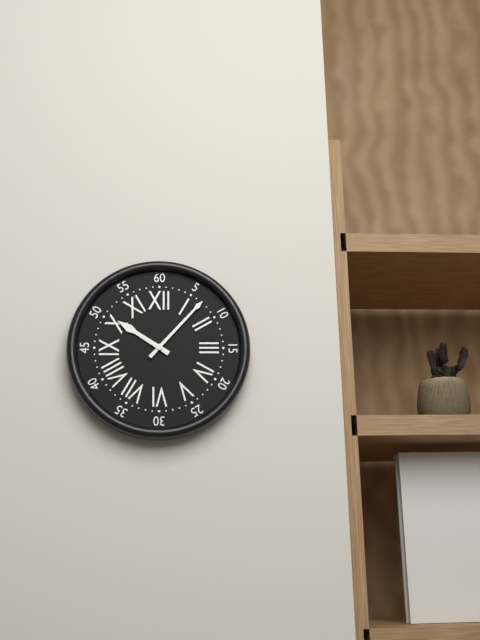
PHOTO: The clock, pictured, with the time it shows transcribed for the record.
10:07
